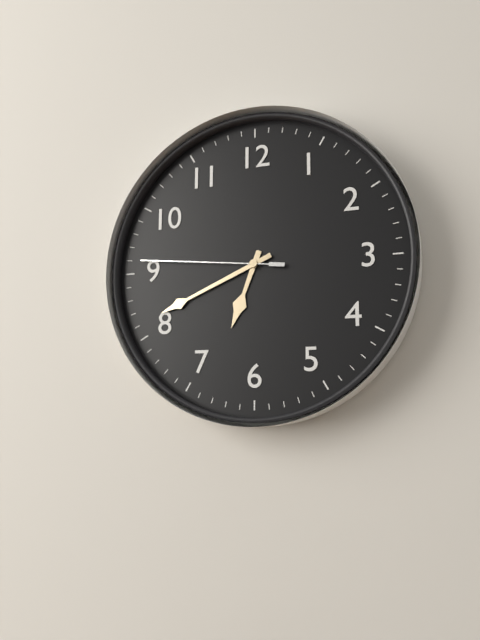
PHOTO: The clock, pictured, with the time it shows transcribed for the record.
6:41:46
